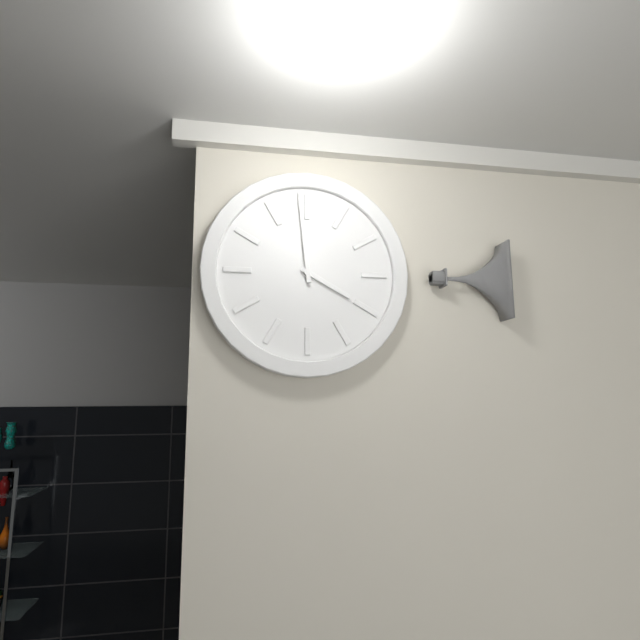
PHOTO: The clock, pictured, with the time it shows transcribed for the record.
3:59
